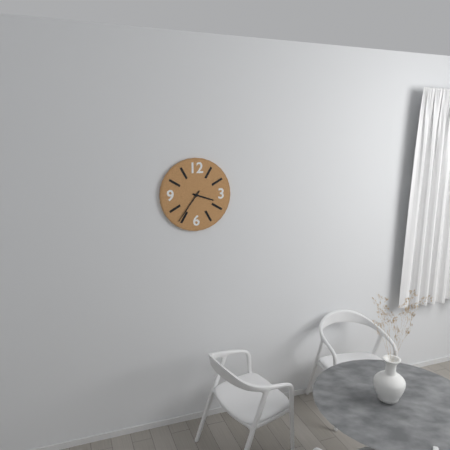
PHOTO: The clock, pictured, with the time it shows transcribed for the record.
3:36
